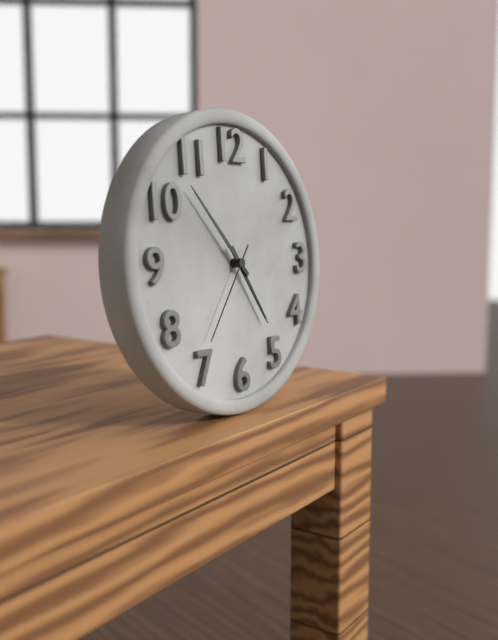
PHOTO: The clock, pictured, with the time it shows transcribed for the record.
4:53:36
